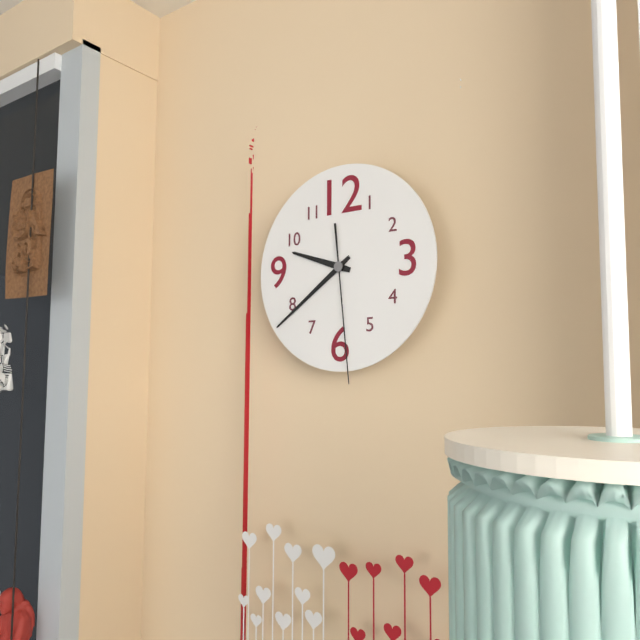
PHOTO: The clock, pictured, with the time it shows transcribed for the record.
9:39:29
